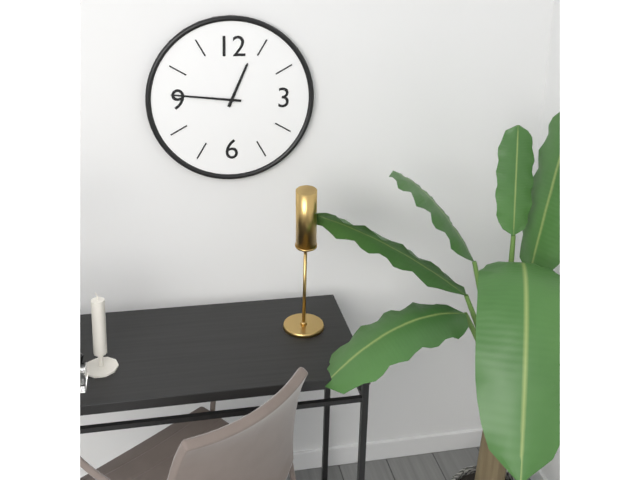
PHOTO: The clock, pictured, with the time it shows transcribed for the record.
12:46
